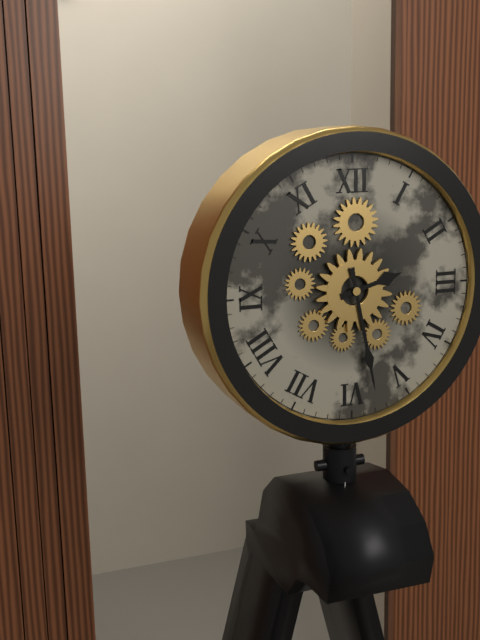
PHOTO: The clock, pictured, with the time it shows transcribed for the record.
2:28
